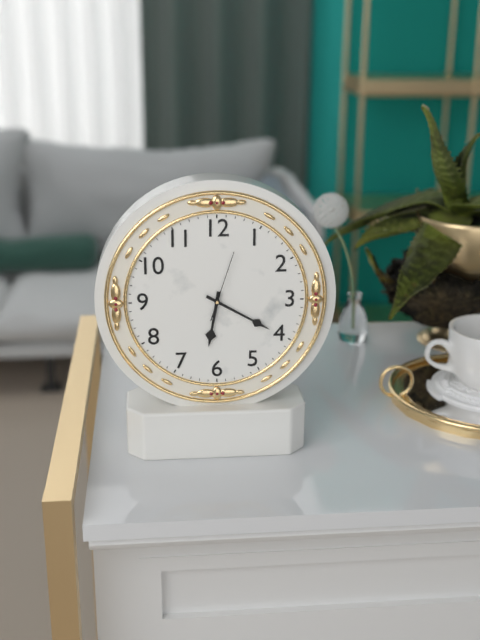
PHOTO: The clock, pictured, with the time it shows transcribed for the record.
6:20:03
